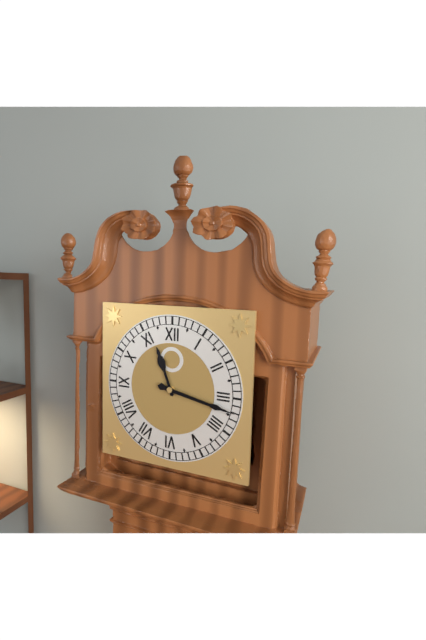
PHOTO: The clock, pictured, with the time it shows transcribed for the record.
11:17
